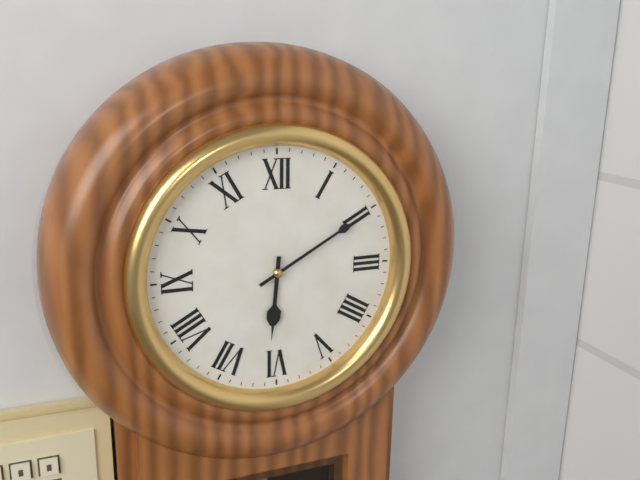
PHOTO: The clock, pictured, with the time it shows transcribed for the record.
6:10
